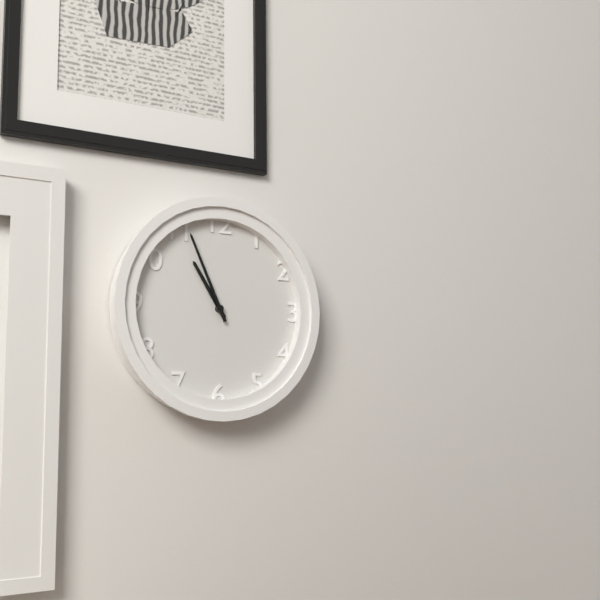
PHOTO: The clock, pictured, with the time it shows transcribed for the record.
10:56
